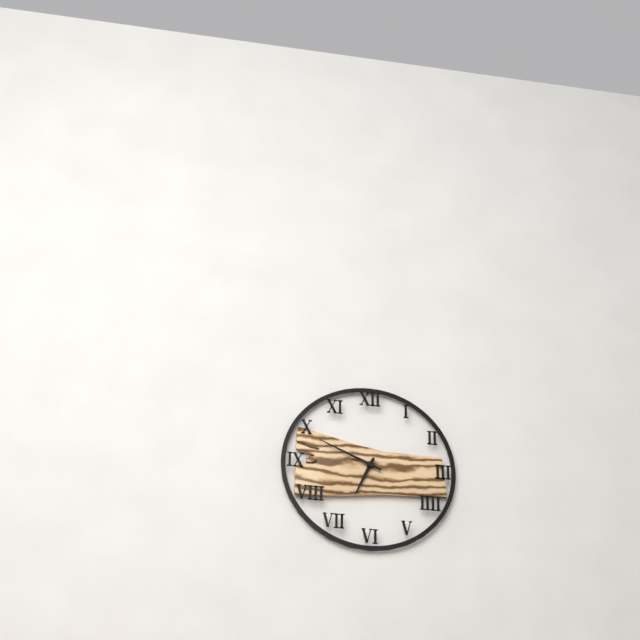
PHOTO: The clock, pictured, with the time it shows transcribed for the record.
6:49
